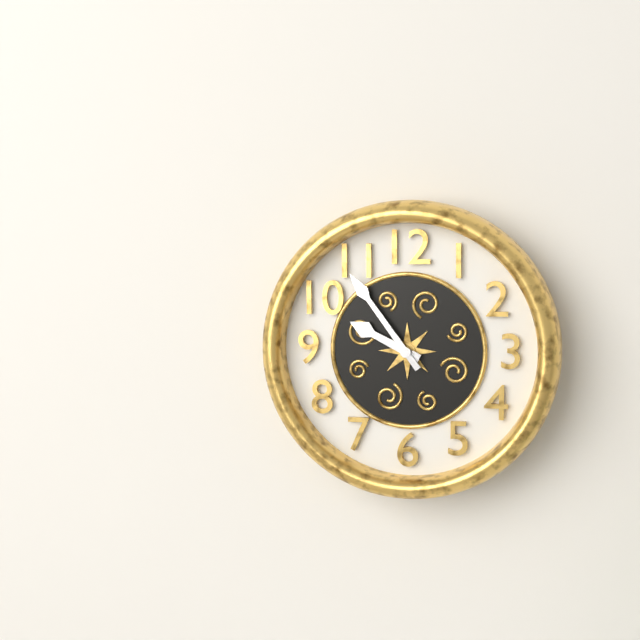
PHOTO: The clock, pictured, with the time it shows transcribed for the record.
9:54
